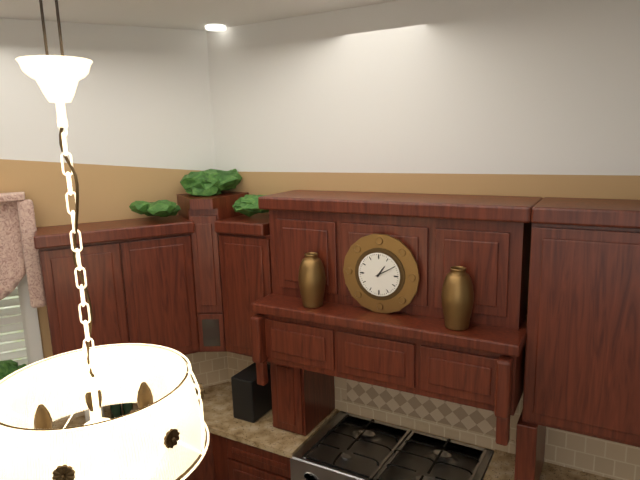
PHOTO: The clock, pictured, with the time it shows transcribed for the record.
1:10
